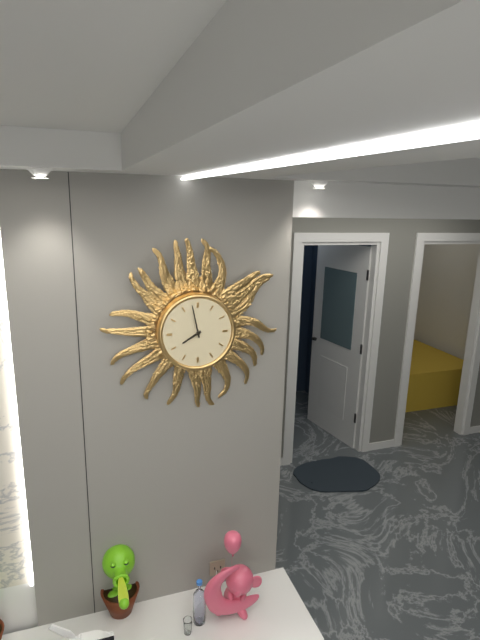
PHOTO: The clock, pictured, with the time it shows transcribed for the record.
7:58
